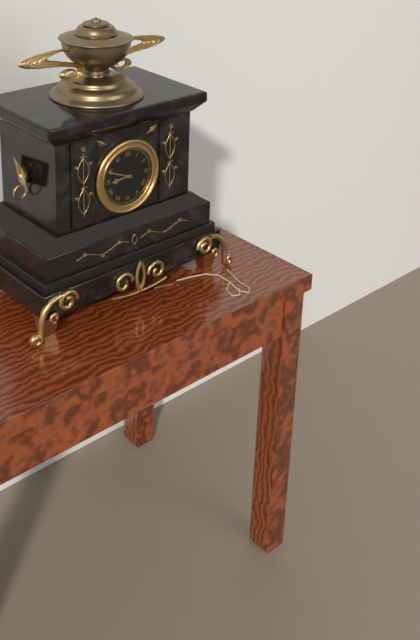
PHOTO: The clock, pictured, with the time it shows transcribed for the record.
8:49
